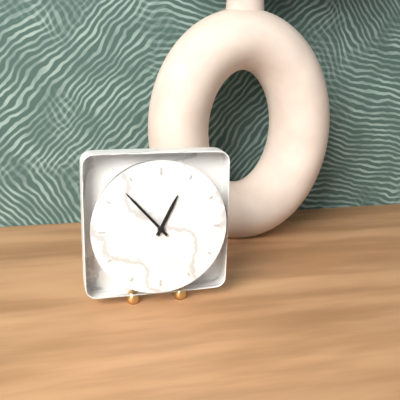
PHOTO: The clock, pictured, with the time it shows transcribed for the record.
12:53
